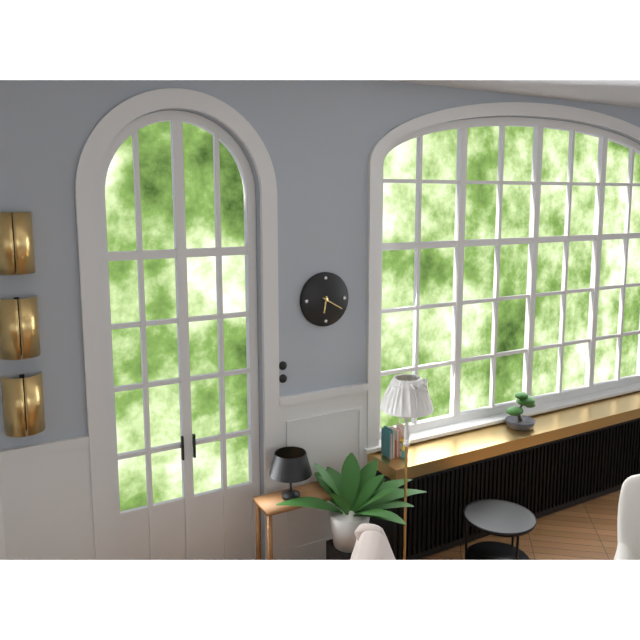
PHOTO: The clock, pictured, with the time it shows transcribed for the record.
6:20
